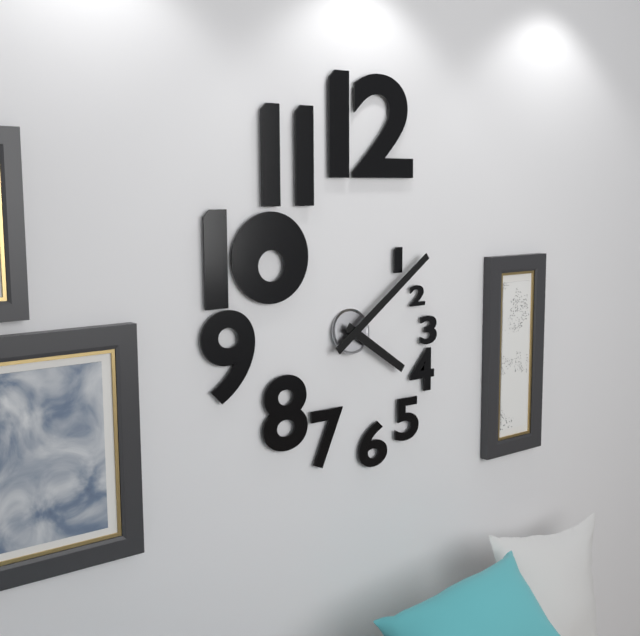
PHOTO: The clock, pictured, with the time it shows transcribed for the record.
4:09
